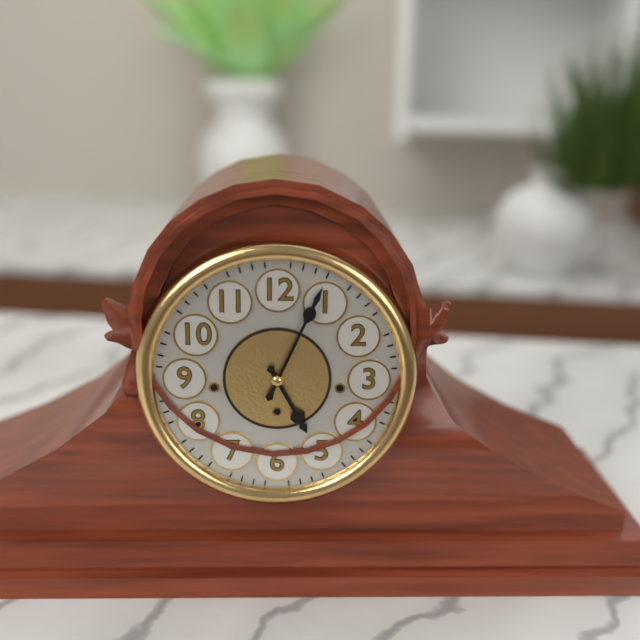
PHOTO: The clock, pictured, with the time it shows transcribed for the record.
5:04
